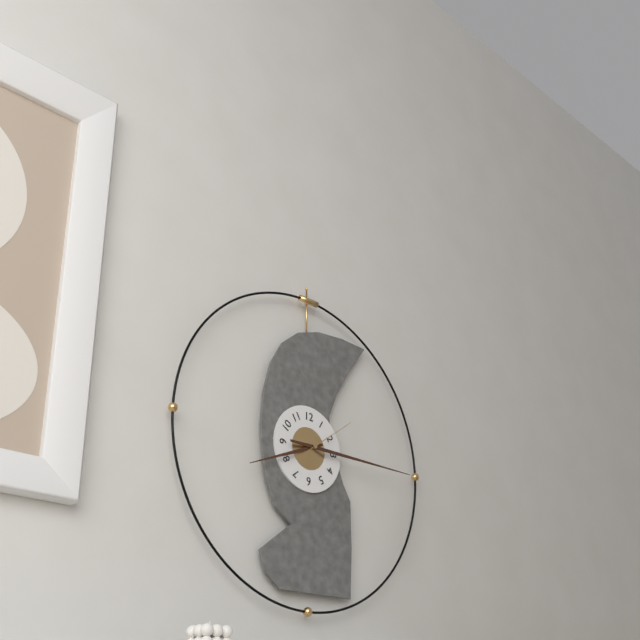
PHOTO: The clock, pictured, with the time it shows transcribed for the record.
8:15:09
